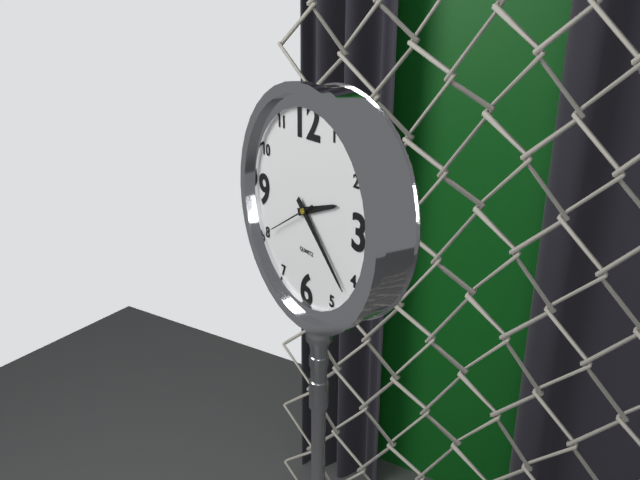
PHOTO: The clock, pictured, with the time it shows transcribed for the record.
2:22
